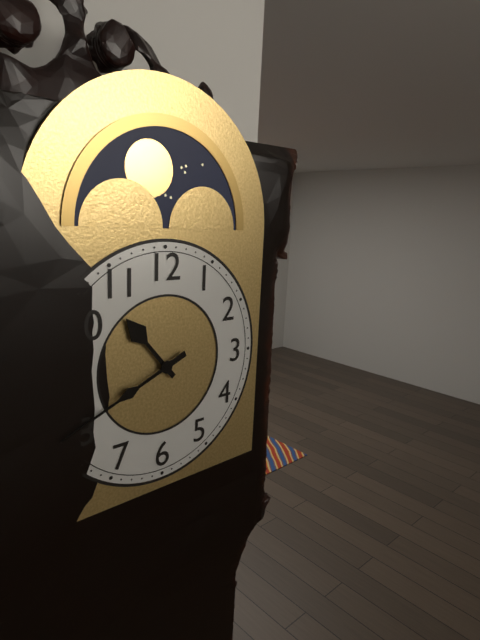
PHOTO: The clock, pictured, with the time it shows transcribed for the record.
10:41
